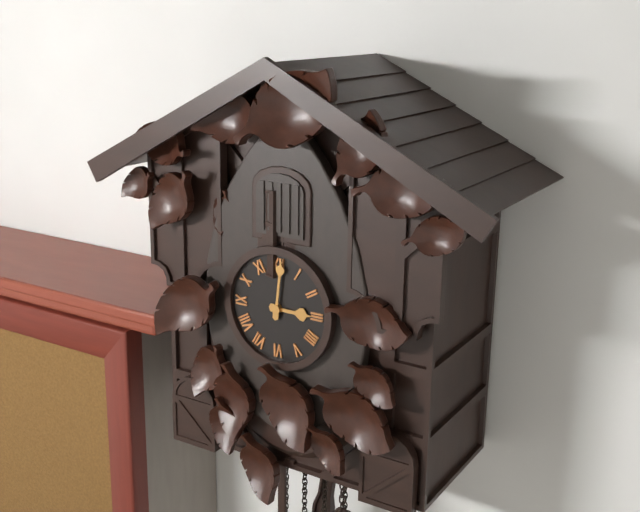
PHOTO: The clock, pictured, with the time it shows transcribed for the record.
3:01
